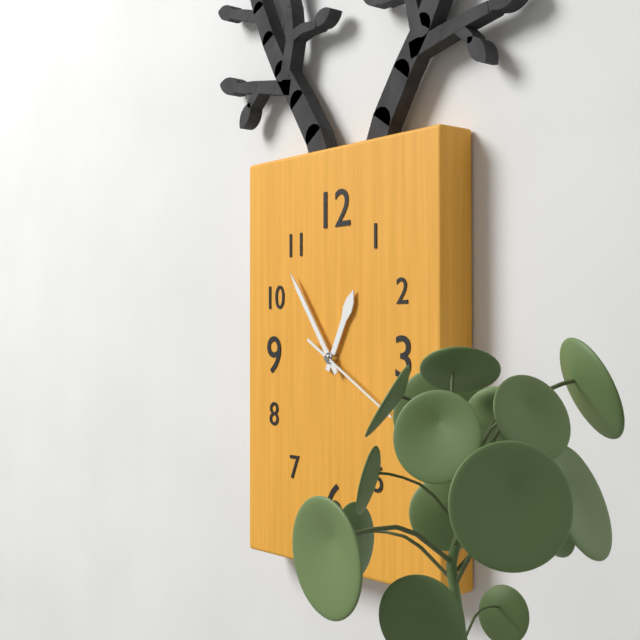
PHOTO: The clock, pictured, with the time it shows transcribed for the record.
12:54:20
